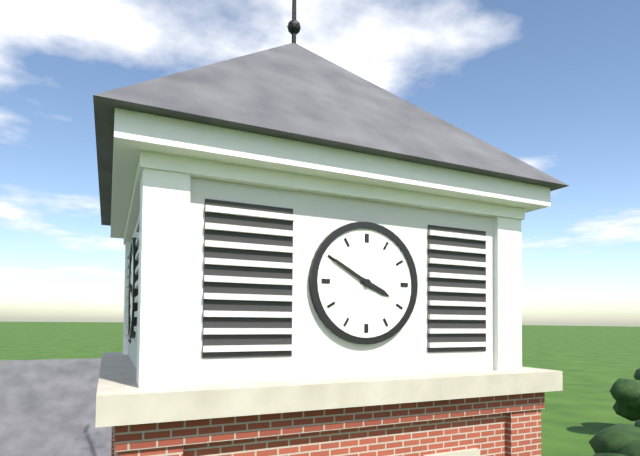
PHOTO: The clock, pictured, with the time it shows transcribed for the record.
3:50
